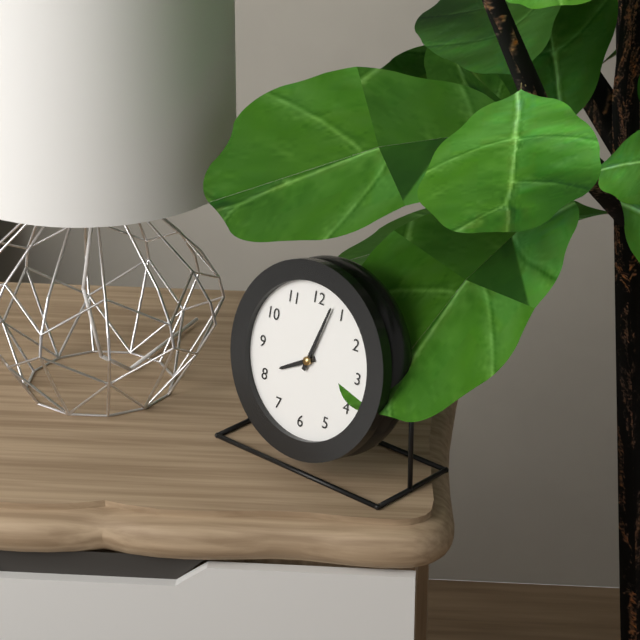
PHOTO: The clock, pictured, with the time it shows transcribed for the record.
8:03
